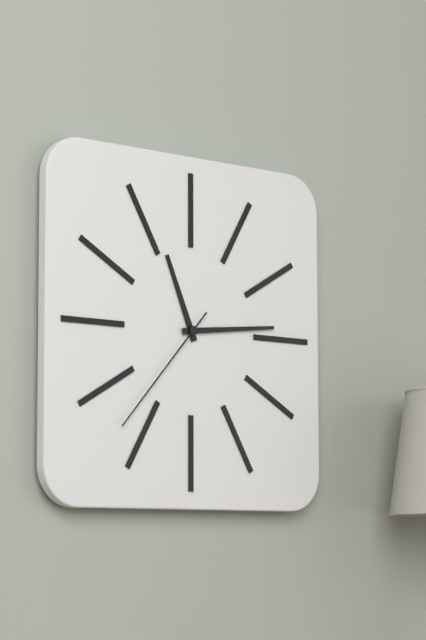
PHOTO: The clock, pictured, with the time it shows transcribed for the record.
11:14:37
